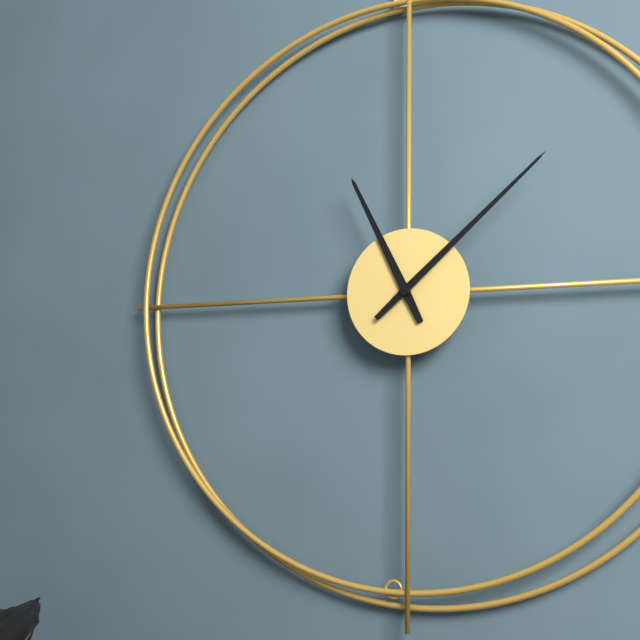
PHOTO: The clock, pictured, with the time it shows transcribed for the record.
11:08
